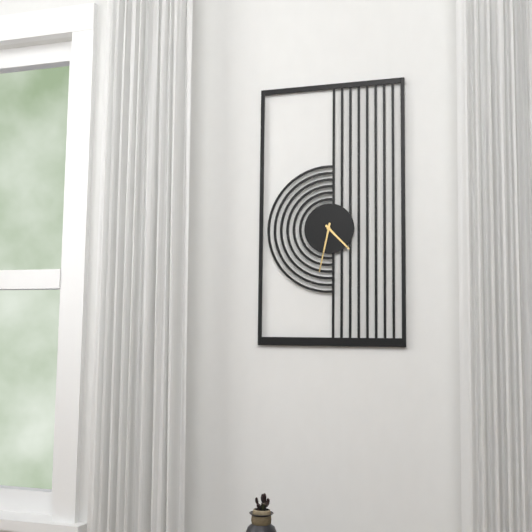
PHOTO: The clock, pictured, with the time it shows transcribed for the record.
4:32
